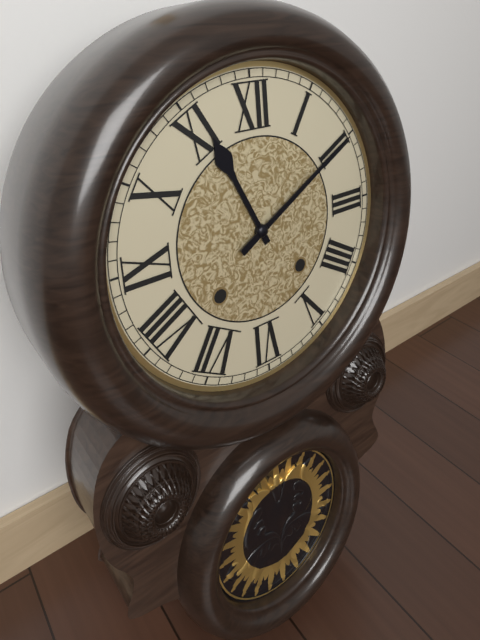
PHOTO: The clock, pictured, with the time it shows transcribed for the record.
11:10
